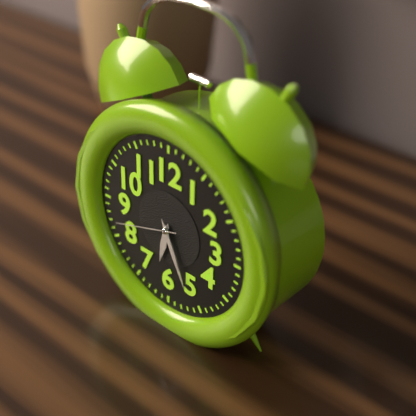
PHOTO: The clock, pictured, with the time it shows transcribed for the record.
6:26:42
